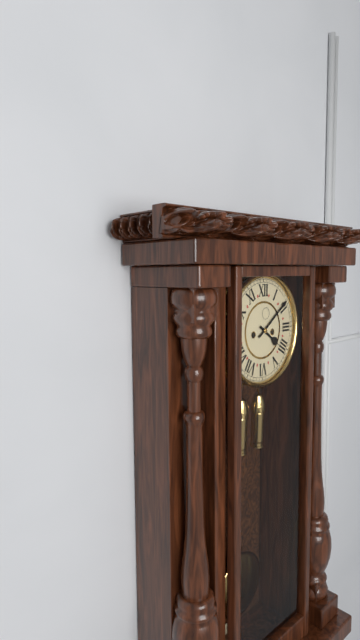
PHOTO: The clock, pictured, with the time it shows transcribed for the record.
4:09
